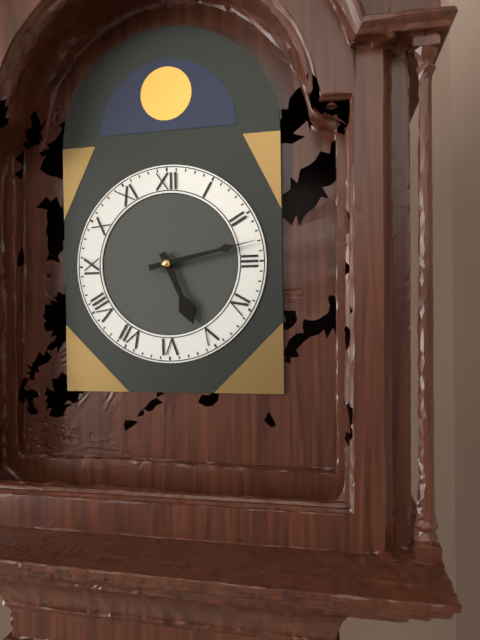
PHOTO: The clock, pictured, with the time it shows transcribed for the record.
5:13
